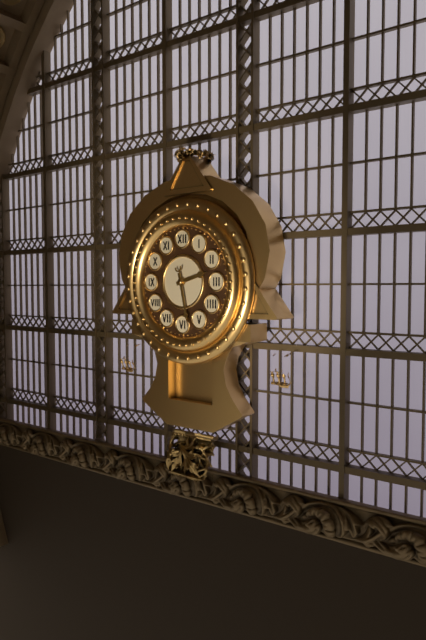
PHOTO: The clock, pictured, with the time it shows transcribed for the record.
2:28
